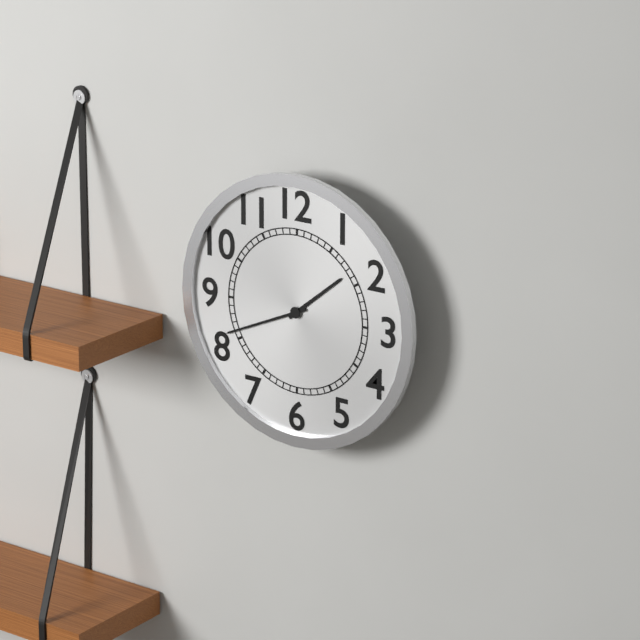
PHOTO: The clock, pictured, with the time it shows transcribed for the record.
1:41
